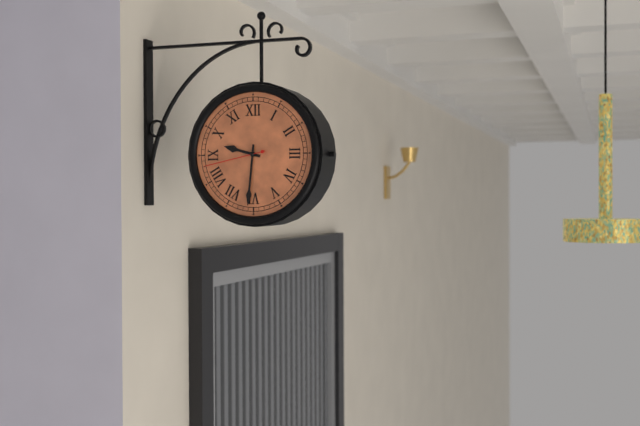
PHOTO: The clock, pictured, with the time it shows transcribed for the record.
9:31:43
